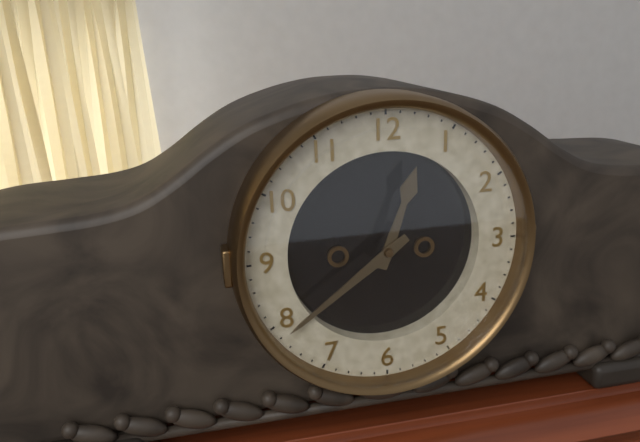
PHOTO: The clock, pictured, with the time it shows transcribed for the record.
12:39
